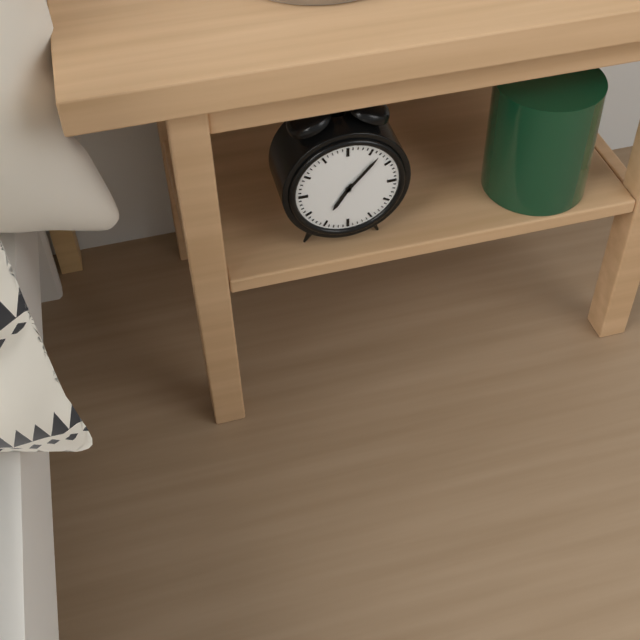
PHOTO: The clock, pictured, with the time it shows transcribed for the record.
7:07
